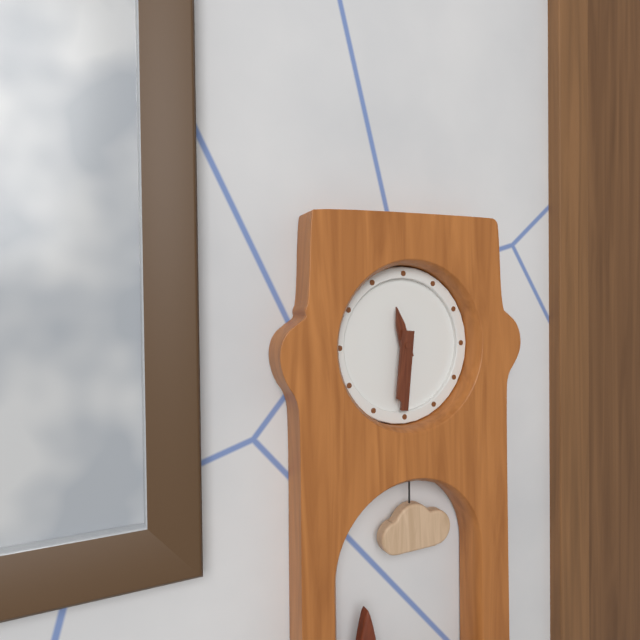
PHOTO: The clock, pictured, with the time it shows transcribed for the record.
11:31
